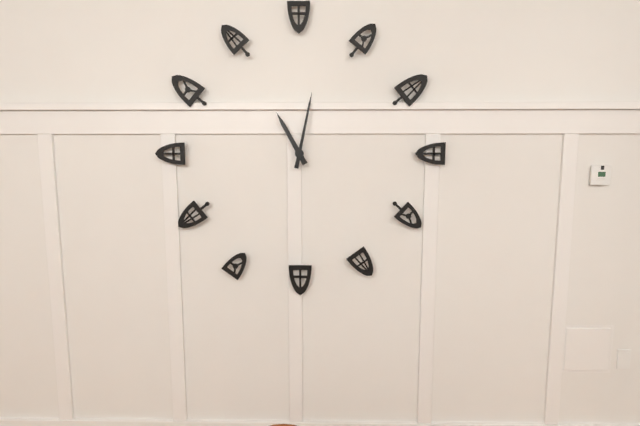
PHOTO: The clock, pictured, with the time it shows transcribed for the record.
11:02
